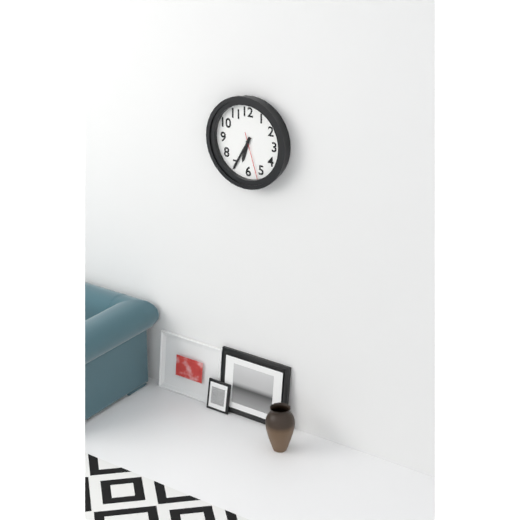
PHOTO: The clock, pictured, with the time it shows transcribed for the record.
6:35
